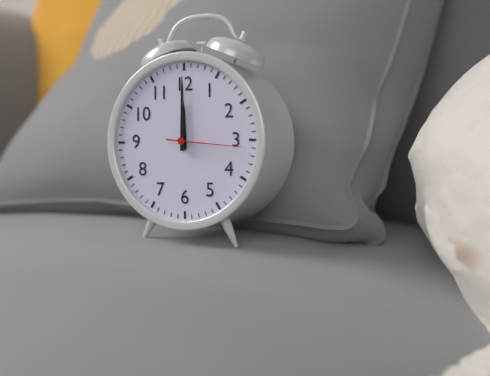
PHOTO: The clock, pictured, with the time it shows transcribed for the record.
12:00:16
